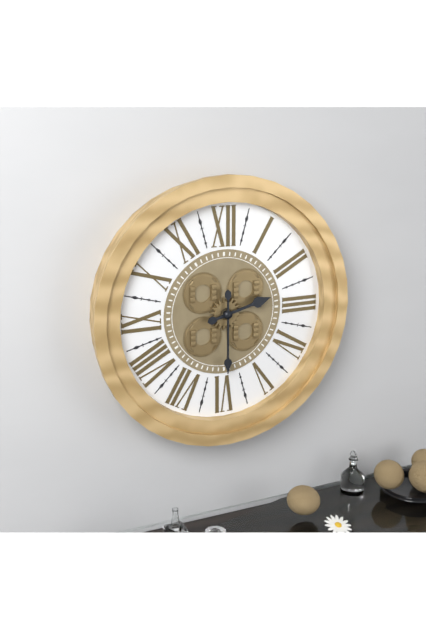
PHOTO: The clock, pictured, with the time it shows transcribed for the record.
2:30
